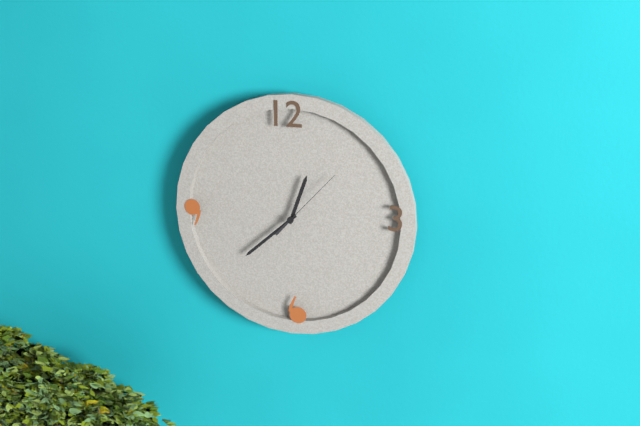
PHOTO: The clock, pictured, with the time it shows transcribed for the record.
12:38:07
